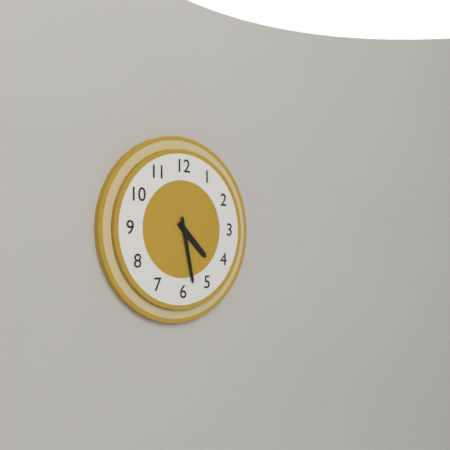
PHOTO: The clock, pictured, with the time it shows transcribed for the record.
4:28
